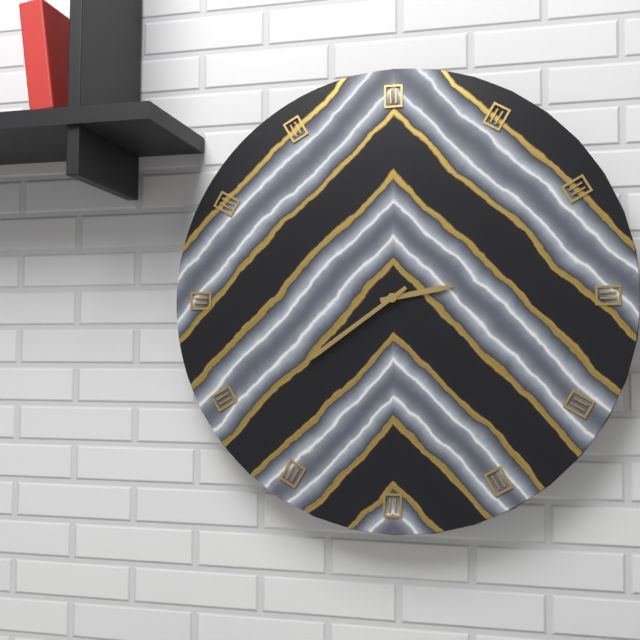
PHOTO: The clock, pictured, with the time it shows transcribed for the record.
2:39
